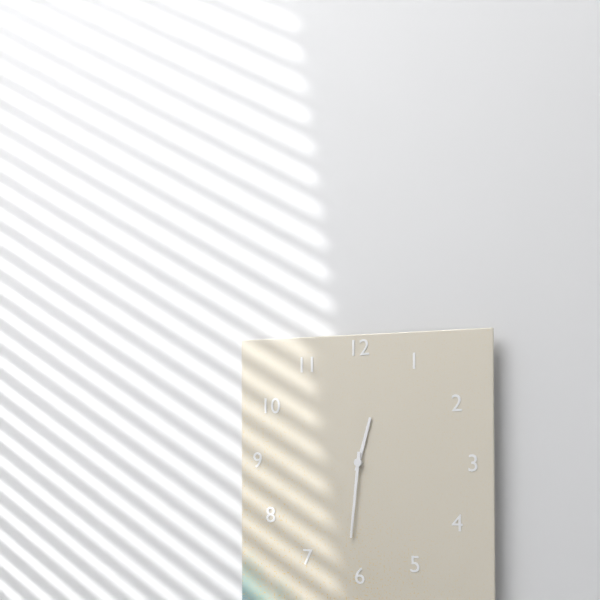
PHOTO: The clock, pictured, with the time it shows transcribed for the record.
12:31
